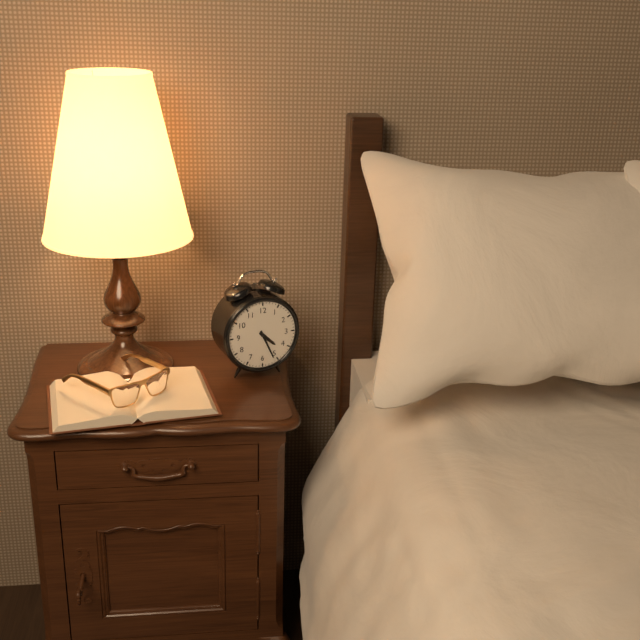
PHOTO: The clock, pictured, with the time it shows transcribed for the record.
4:26
